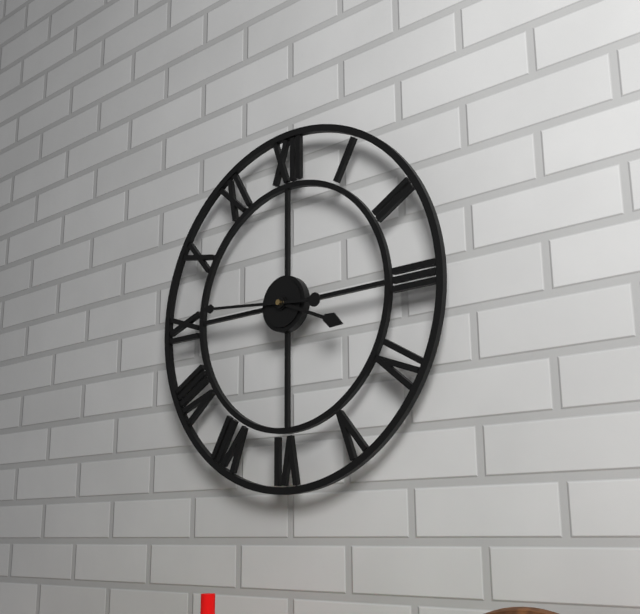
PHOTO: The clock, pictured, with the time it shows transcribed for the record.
3:46
